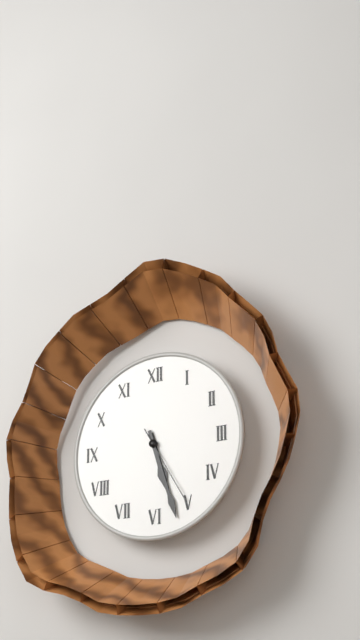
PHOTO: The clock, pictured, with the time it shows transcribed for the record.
5:27:25
